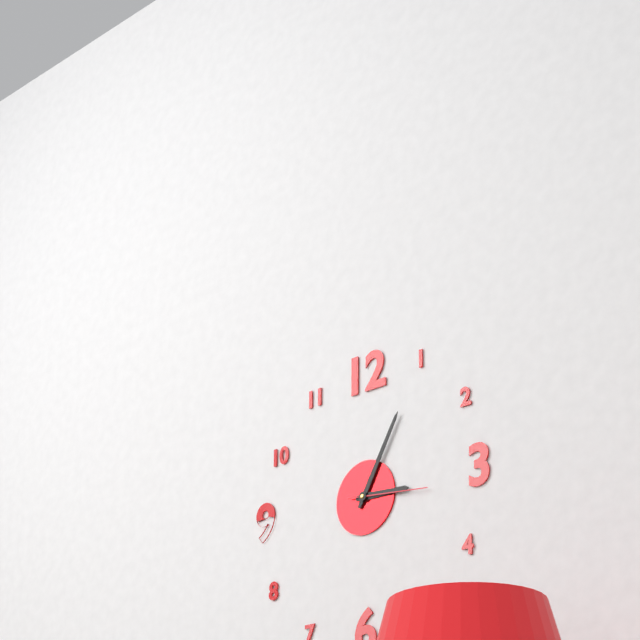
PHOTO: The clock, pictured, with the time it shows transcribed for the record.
3:05:16
